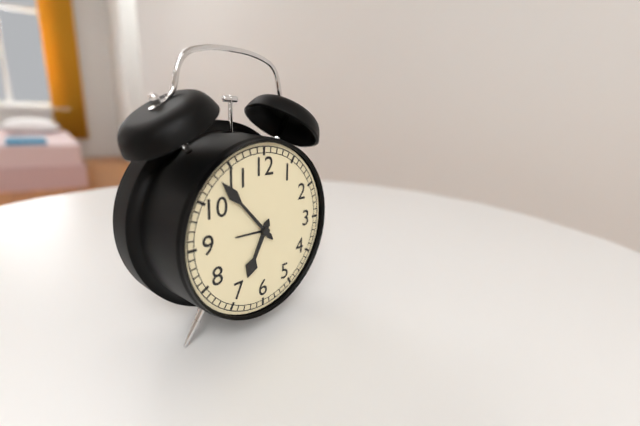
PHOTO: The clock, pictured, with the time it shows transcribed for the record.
6:53
